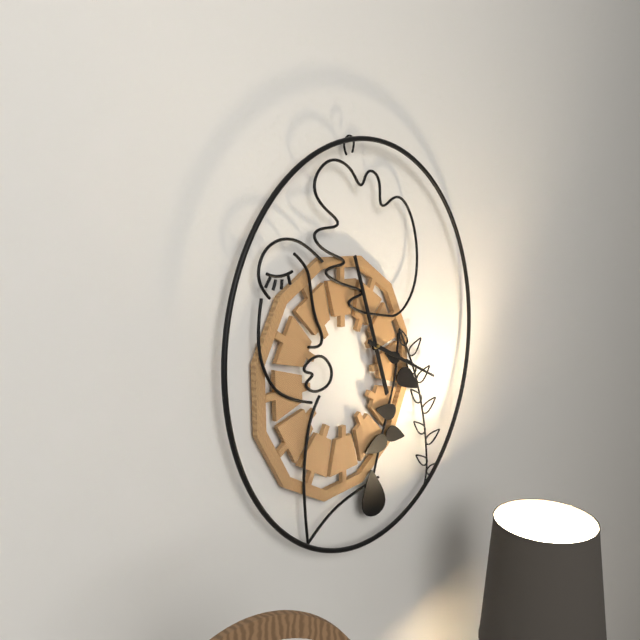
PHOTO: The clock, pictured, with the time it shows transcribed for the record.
11:19
